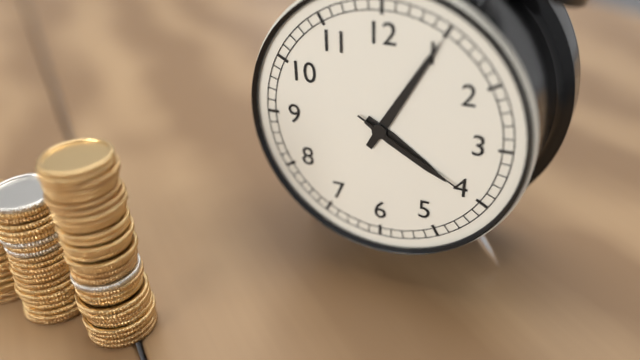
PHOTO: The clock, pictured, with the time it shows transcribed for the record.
4:05:20
